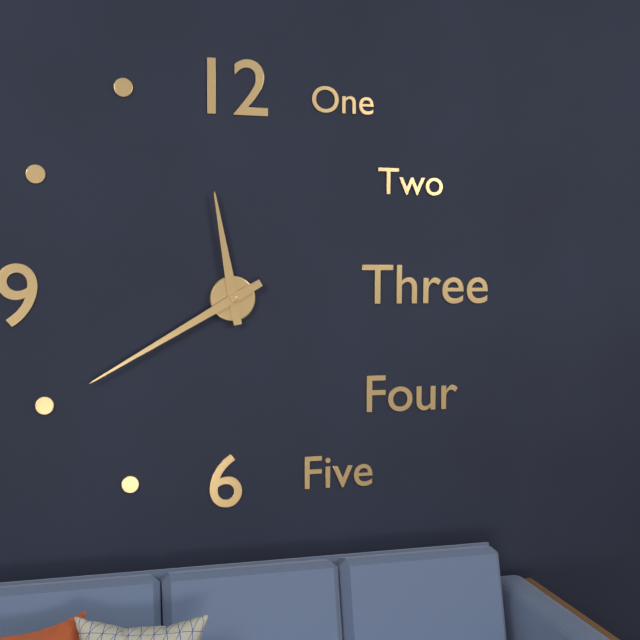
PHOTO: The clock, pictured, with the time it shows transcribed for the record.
11:40
